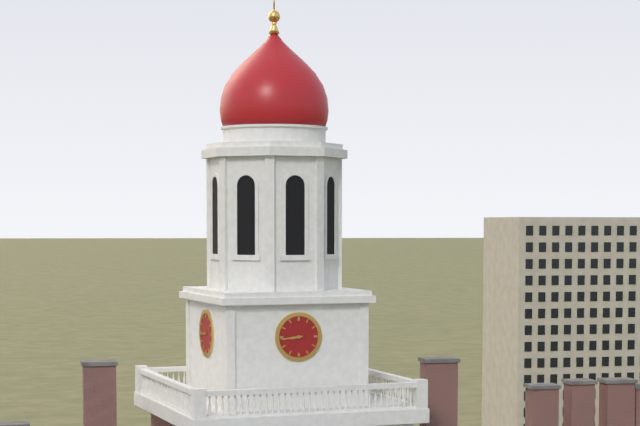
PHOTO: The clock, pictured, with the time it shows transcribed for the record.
8:44
